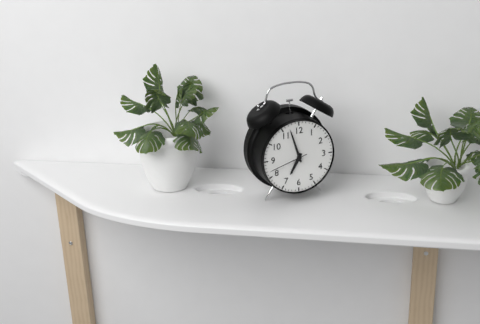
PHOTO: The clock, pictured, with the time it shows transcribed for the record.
6:57
